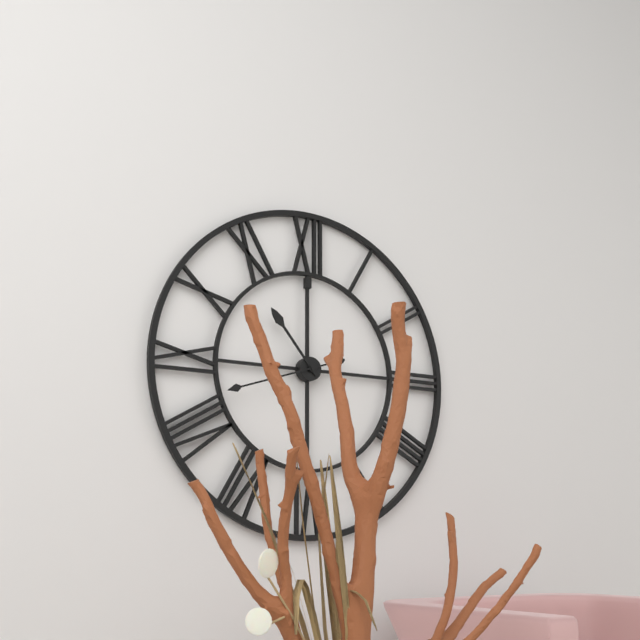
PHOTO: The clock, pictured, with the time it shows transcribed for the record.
10:42
